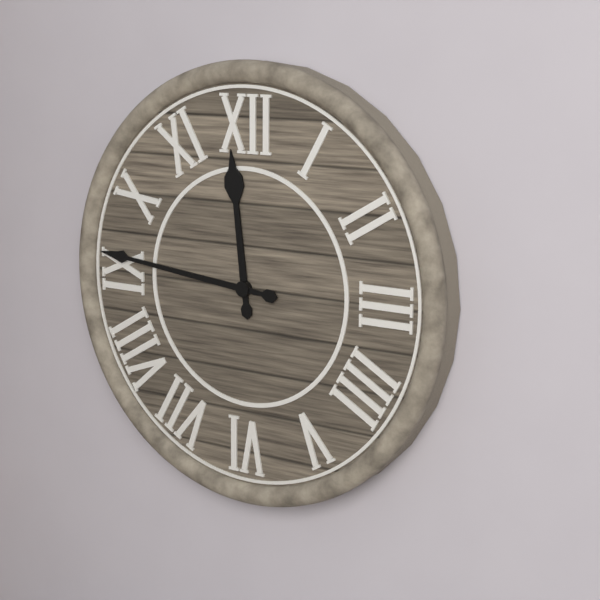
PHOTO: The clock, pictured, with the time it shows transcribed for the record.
11:46
